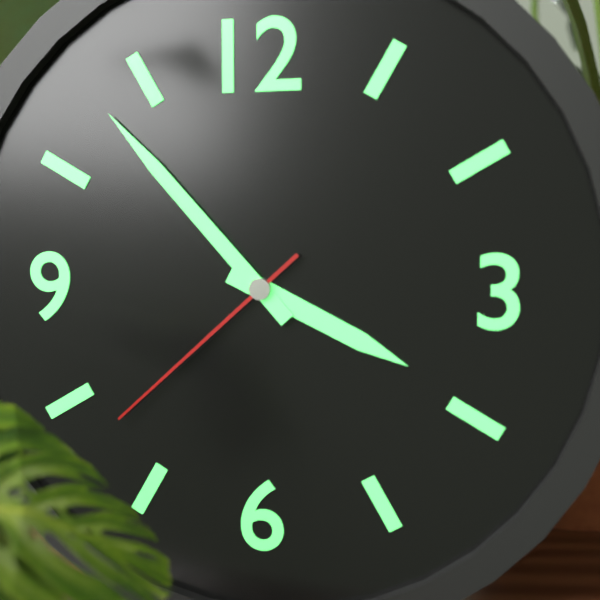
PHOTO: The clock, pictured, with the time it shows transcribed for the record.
3:53:38
